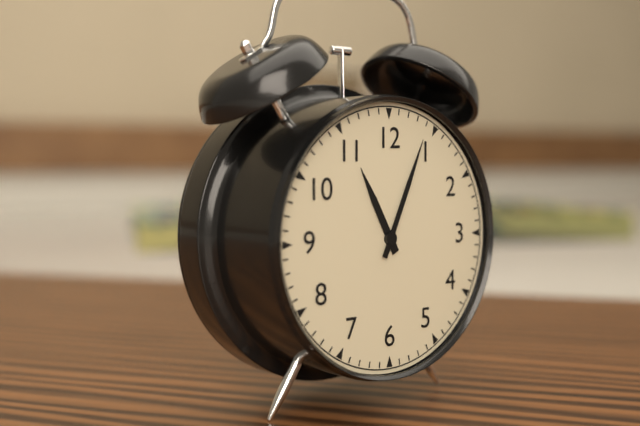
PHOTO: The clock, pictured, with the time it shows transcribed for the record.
11:04
